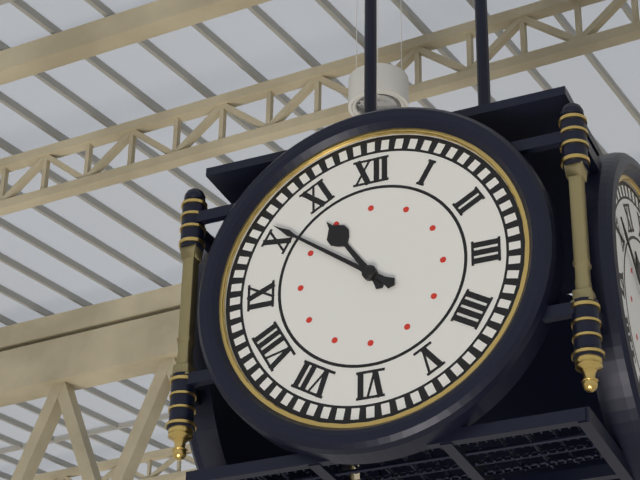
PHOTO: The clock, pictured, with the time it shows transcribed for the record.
10:51
